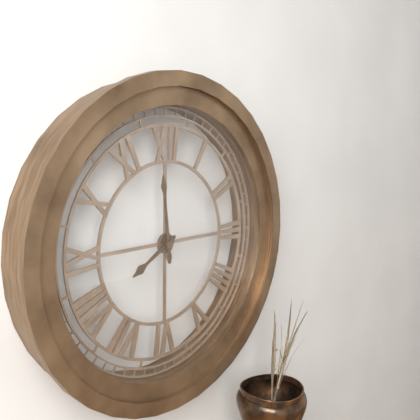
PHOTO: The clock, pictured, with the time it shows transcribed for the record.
7:59
